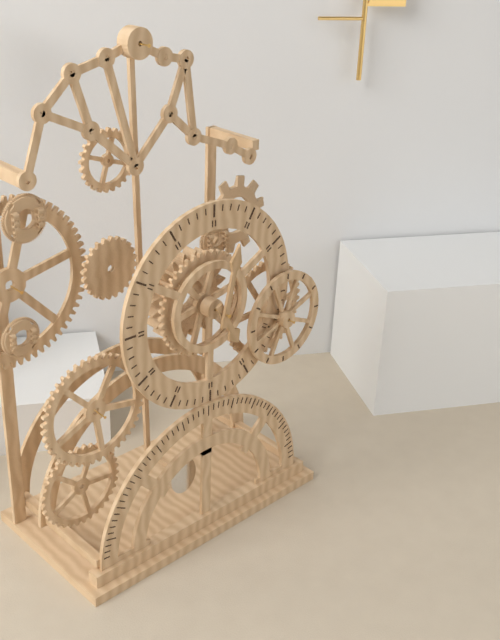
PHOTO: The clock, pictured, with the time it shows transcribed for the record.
5:02
